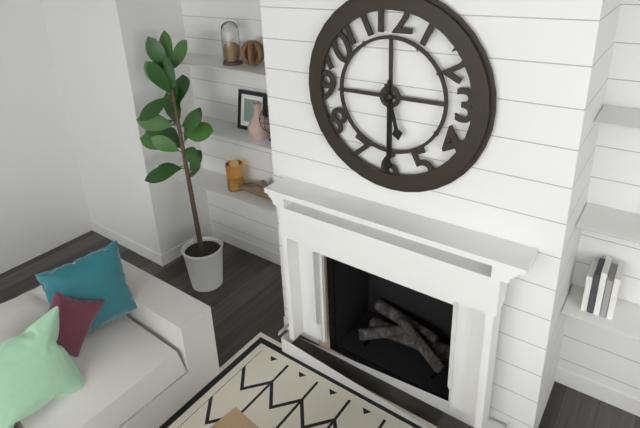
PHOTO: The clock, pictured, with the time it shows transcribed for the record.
5:30
